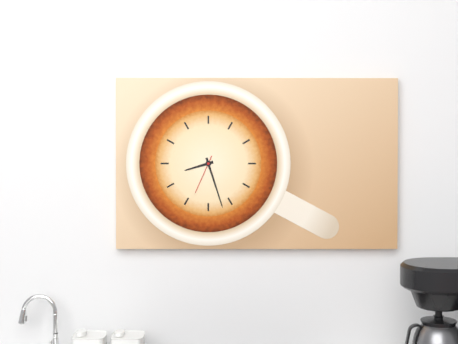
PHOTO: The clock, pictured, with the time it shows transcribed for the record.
8:27
